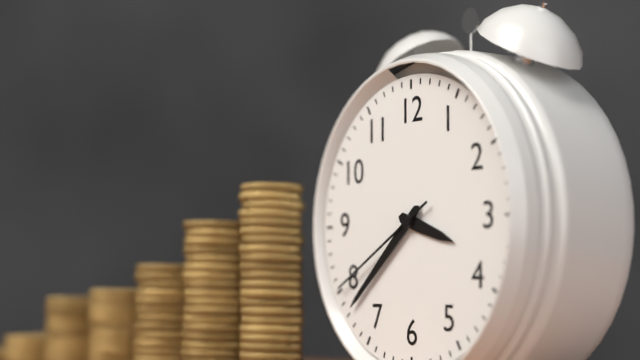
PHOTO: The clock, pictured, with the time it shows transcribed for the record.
3:38:40
